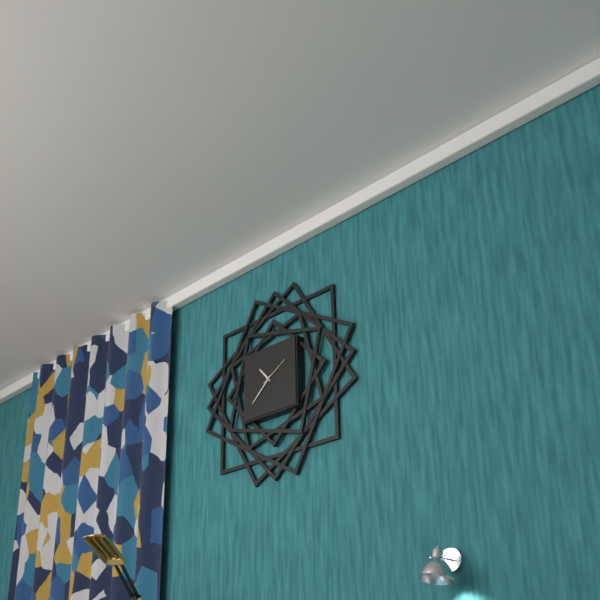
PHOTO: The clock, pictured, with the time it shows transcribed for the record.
10:38
